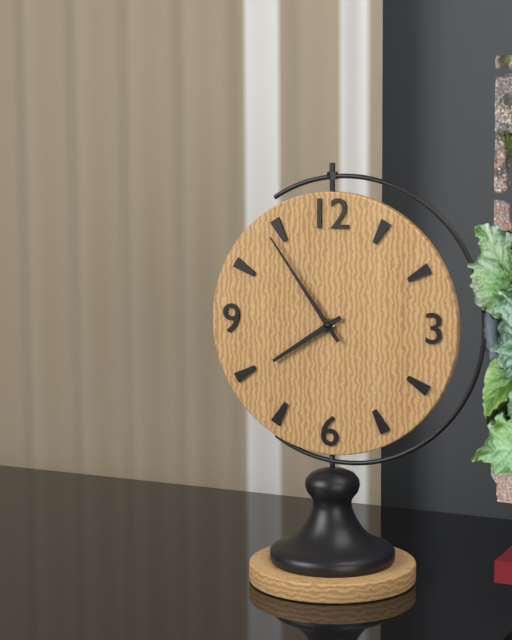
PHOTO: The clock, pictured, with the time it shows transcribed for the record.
7:54
